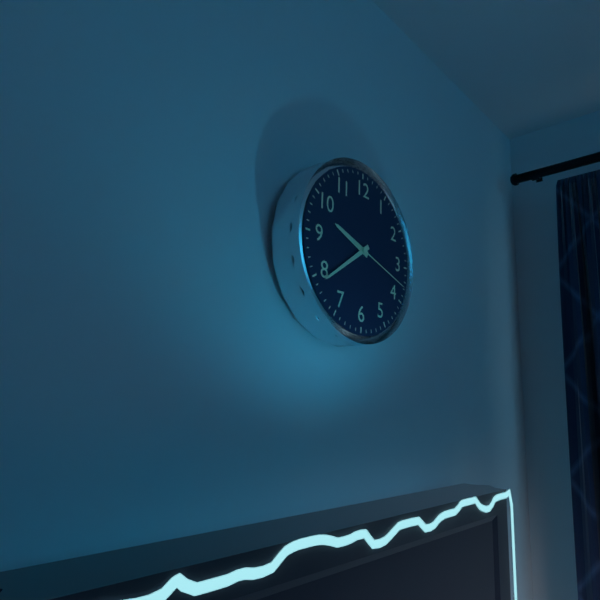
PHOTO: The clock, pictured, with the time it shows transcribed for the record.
9:39:18
